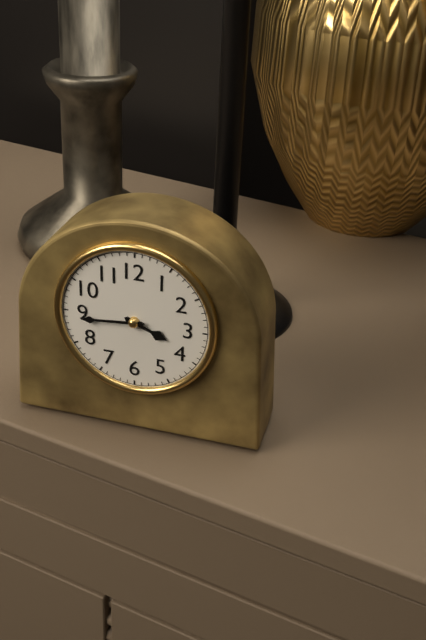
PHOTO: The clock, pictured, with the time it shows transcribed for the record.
3:44
